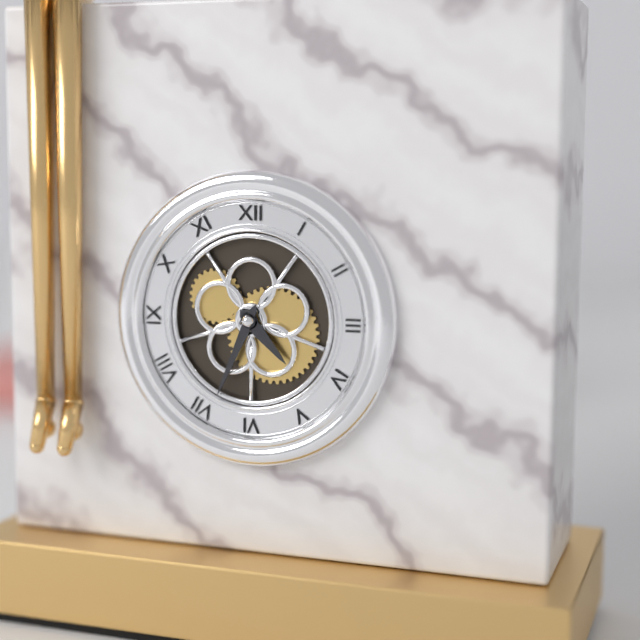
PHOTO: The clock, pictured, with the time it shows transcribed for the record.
4:34
